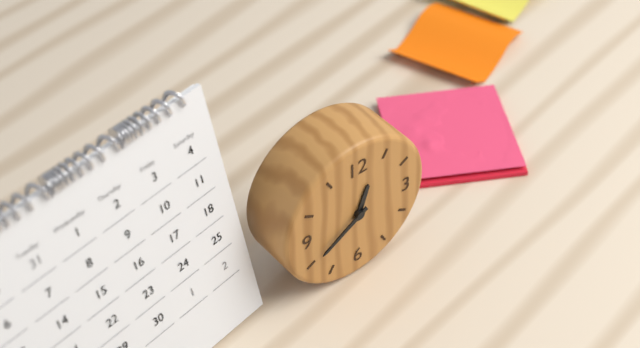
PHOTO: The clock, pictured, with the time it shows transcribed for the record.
12:40
